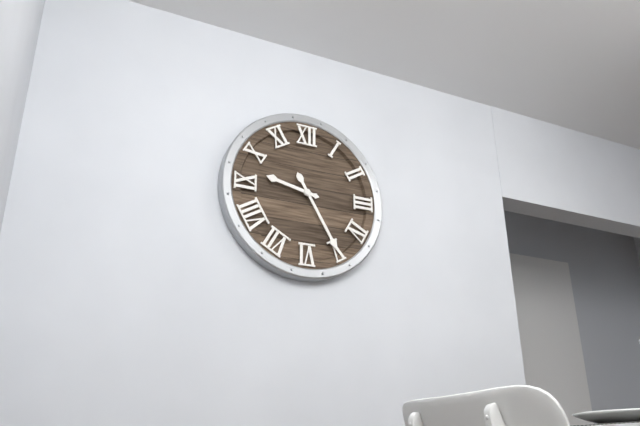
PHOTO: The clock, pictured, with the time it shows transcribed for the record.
9:25
